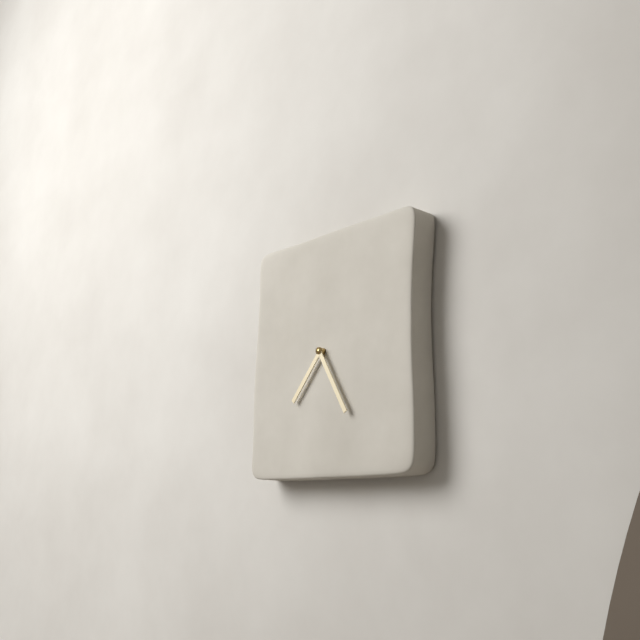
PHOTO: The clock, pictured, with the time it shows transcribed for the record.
7:25
